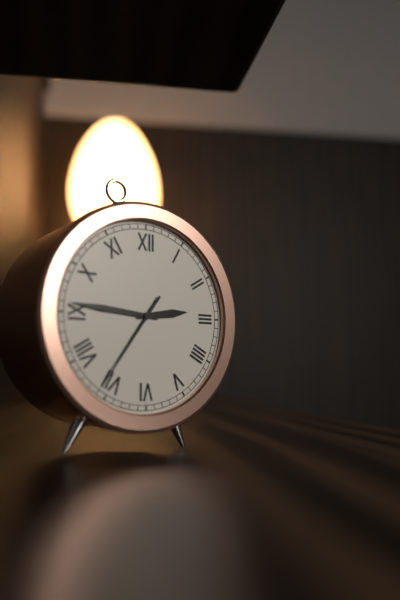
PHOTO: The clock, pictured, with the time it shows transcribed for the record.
2:46:36
